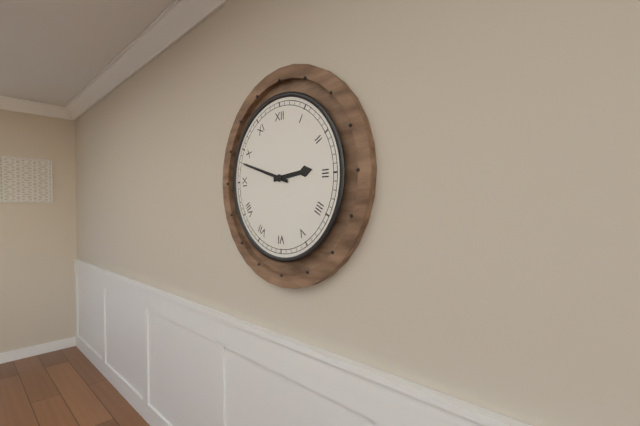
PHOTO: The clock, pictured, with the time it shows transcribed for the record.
2:48
